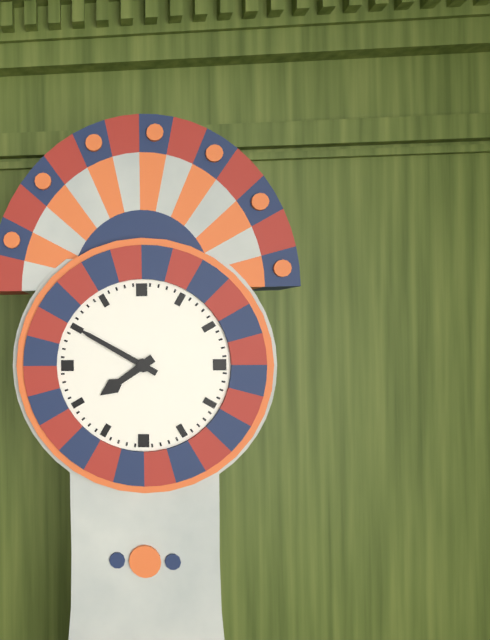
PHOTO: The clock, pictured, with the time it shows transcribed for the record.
7:50
